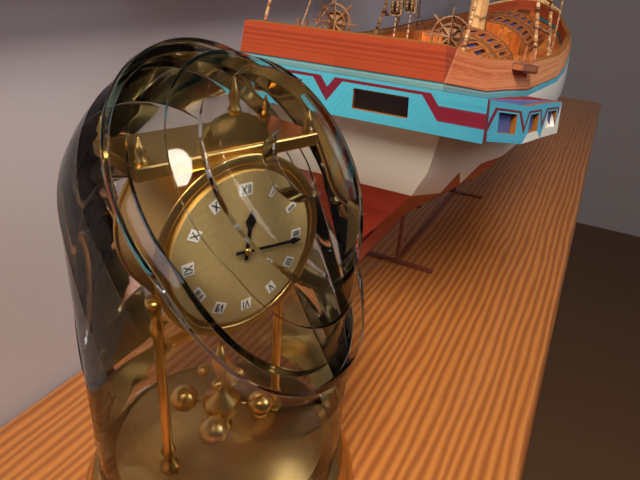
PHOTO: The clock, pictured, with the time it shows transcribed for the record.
12:16
